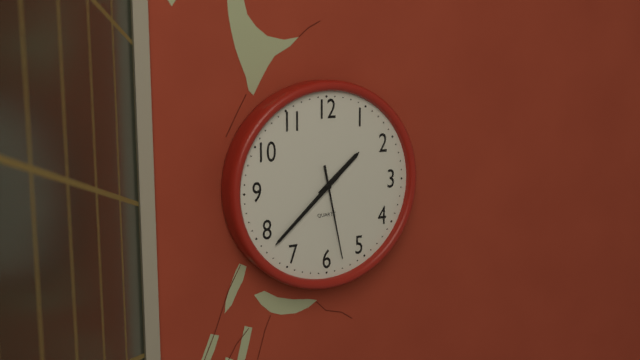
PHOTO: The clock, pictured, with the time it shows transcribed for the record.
1:38:28
